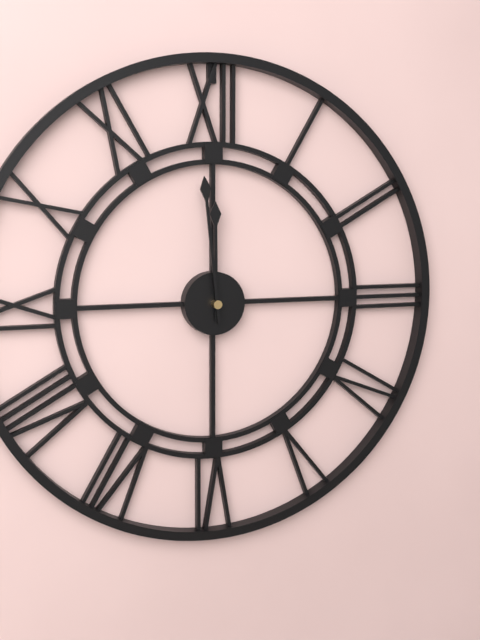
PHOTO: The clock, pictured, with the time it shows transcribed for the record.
11:59
